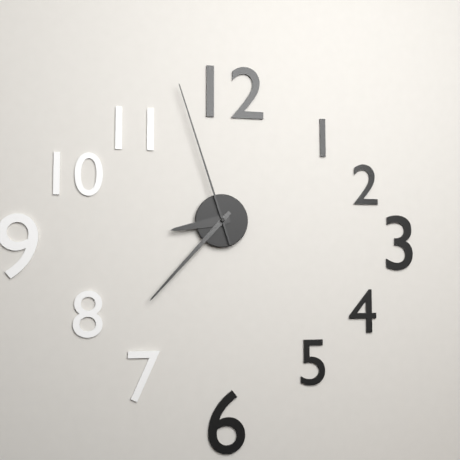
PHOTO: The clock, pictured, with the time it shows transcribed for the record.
8:37:57
